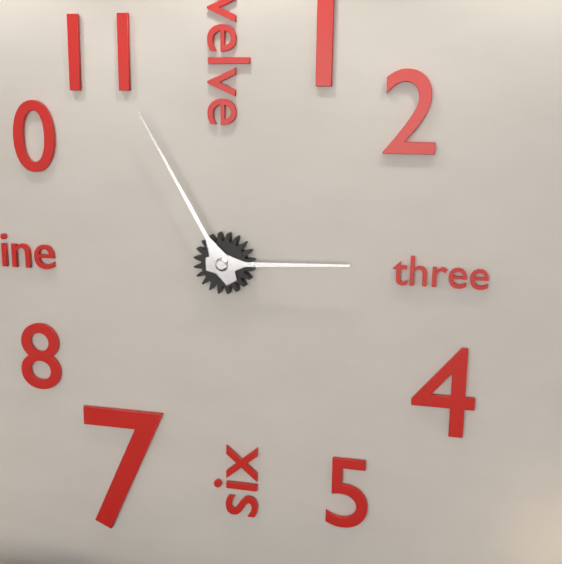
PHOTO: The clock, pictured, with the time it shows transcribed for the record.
2:55
